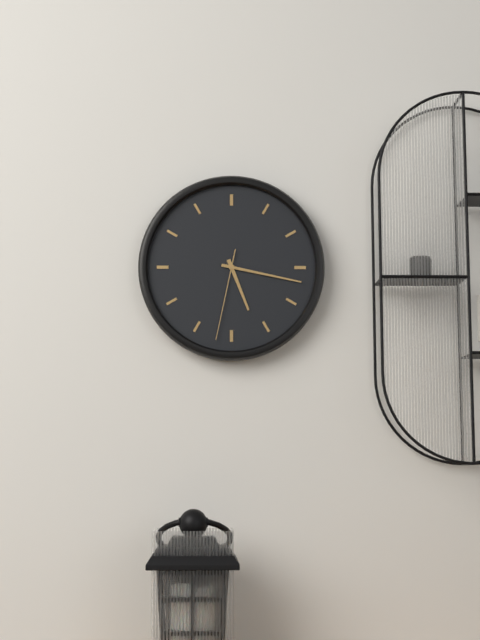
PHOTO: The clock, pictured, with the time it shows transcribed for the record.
5:17:32
